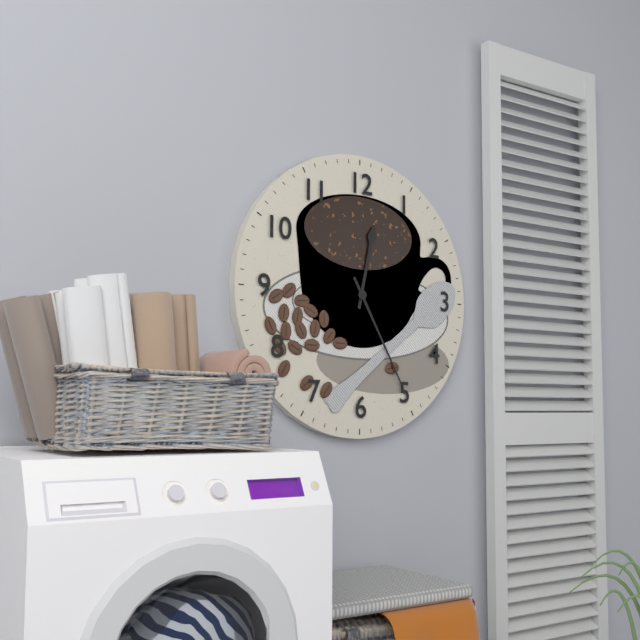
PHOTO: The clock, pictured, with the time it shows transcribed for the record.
12:25
